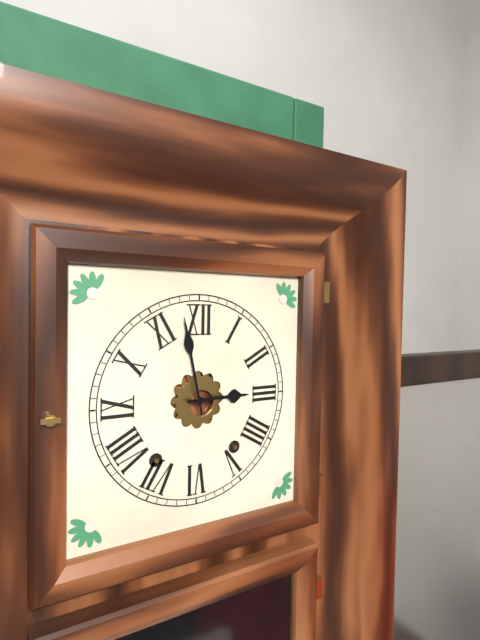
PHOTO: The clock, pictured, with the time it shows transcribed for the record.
2:58
